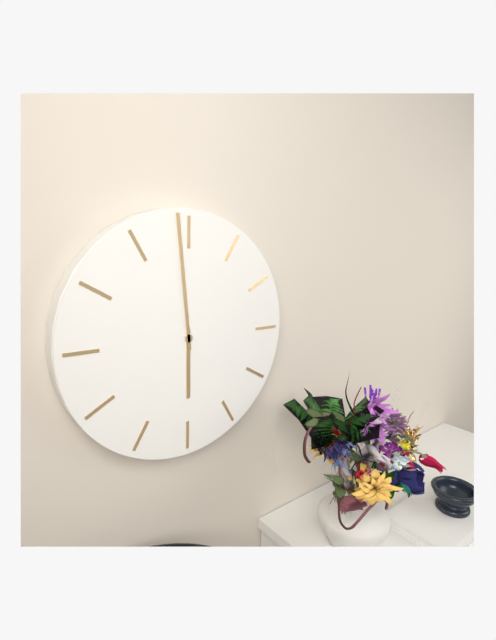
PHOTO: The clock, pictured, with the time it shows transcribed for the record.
5:59
